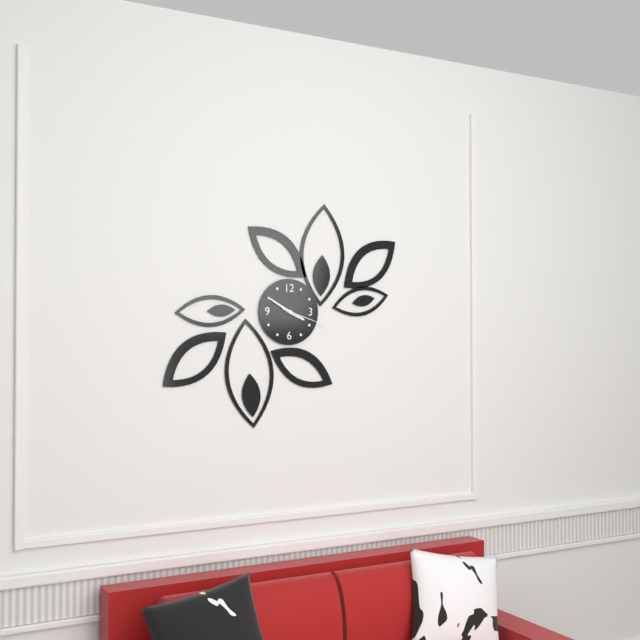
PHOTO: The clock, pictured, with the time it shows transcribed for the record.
3:50:18
